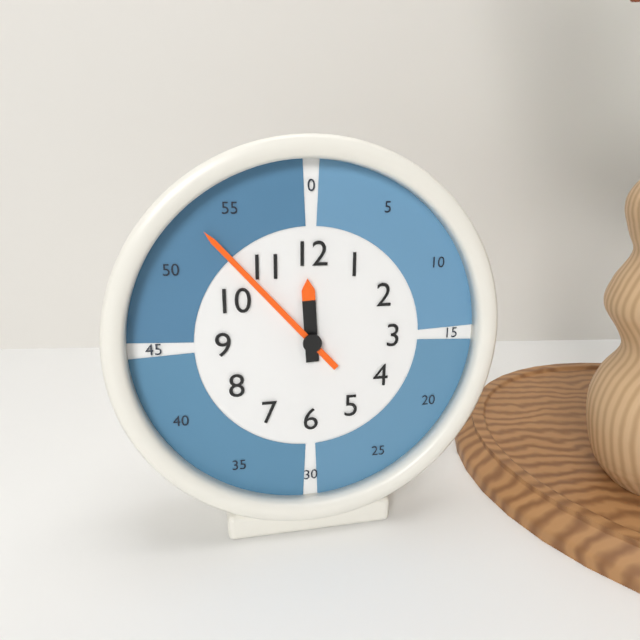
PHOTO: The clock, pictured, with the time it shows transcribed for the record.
11:53
